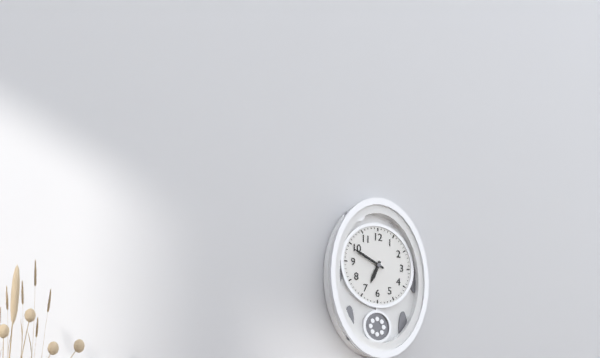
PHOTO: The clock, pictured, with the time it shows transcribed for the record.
6:49
